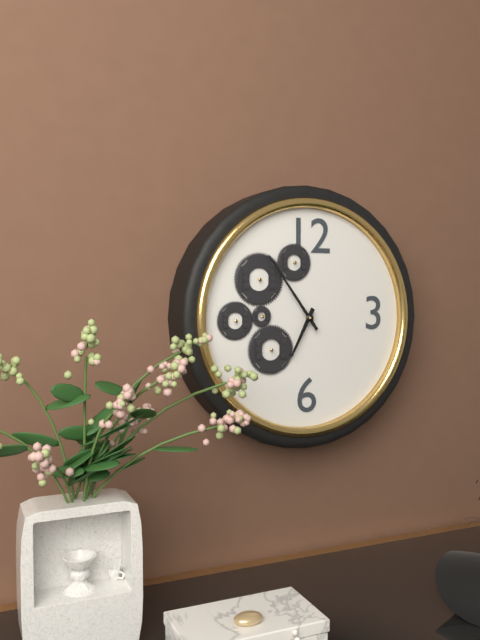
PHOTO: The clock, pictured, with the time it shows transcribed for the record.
6:54
